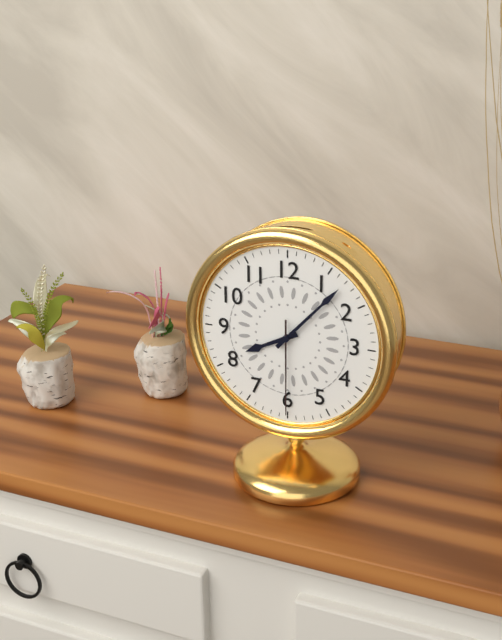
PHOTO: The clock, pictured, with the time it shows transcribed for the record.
8:07:30
